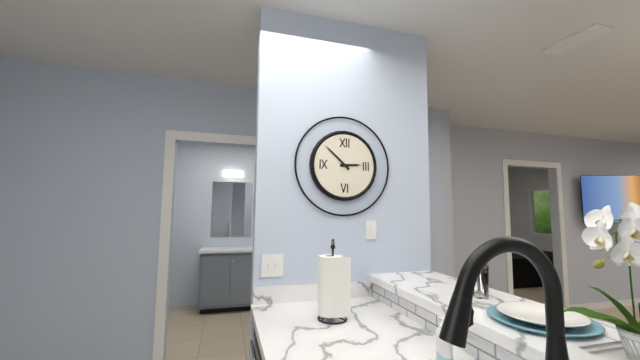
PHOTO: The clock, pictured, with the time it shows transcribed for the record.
2:52
